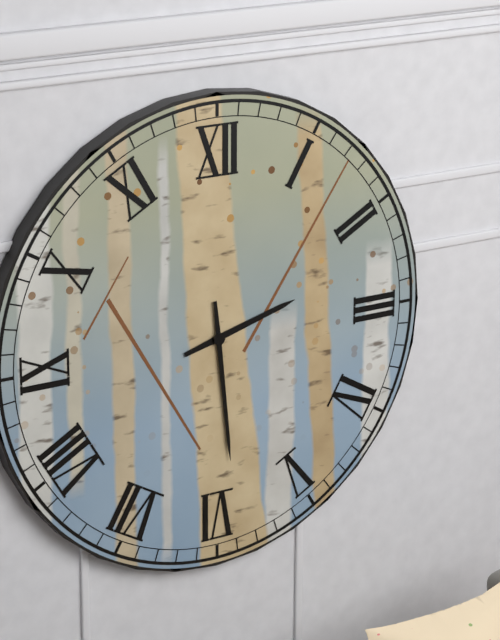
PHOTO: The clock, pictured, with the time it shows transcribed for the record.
2:29
